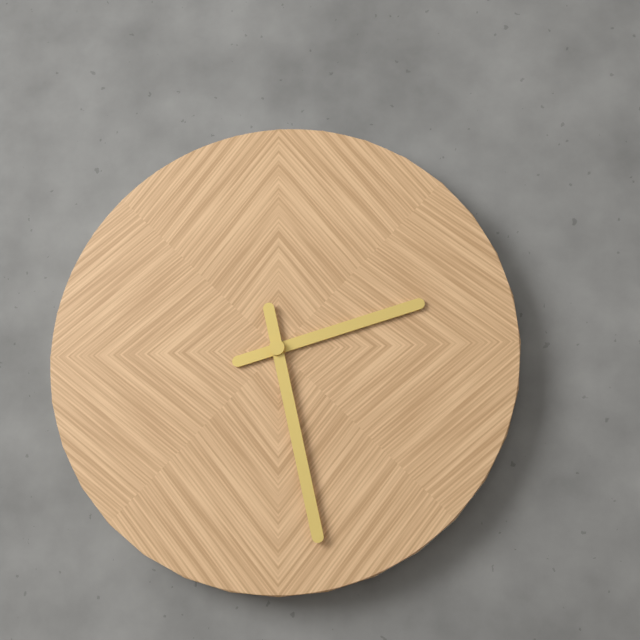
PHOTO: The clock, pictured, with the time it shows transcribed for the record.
2:28
